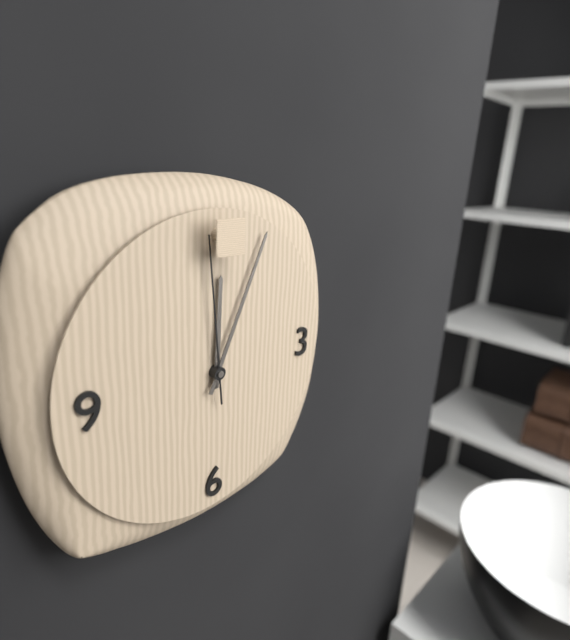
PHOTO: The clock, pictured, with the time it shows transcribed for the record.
12:04:59
